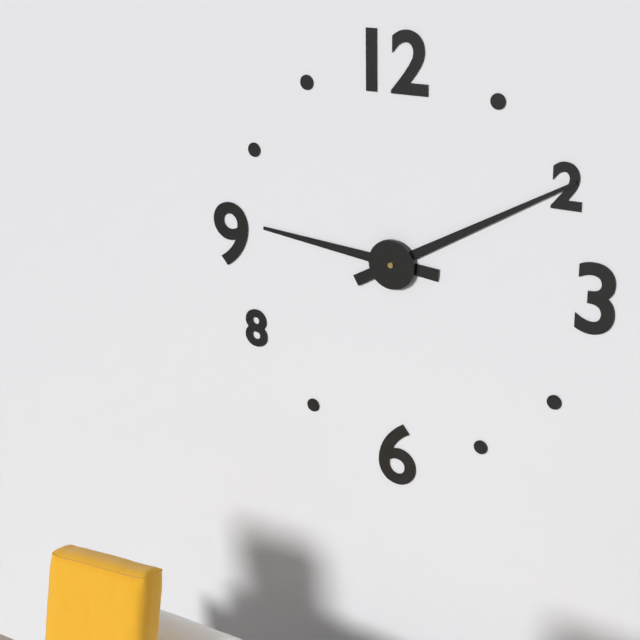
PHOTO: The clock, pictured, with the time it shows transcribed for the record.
9:10
